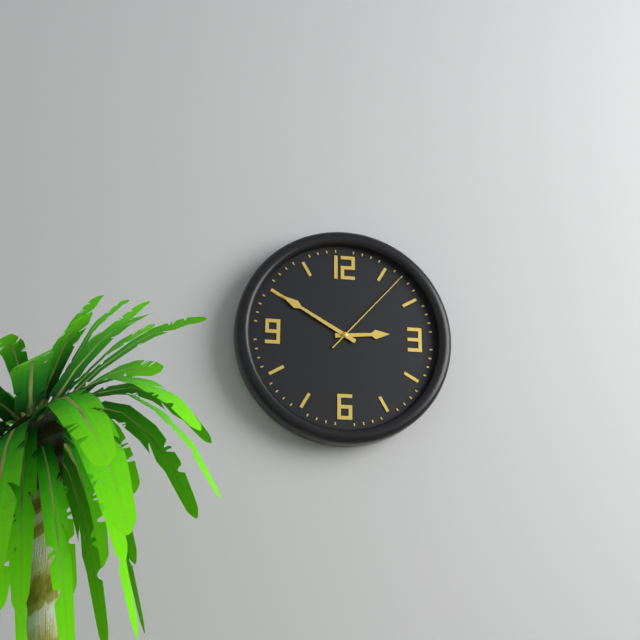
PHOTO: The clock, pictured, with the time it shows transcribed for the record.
2:50:07
